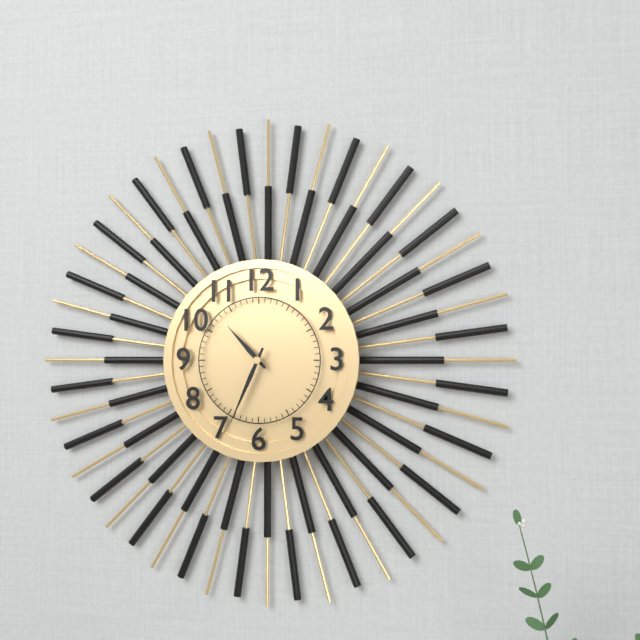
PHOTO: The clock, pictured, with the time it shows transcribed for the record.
10:34
